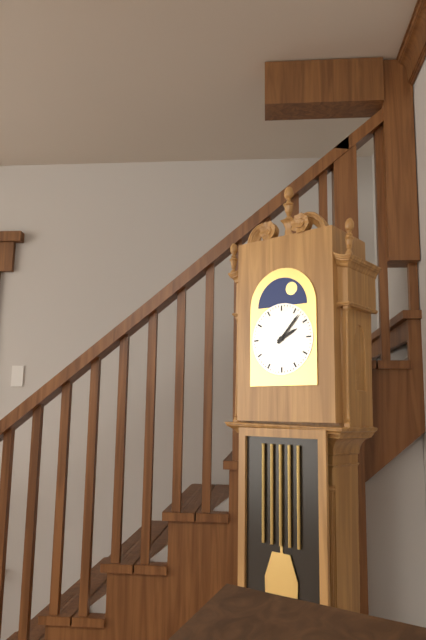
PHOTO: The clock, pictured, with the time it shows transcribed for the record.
2:07
